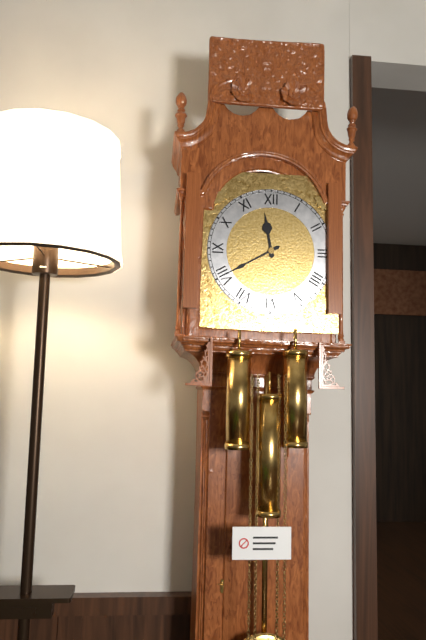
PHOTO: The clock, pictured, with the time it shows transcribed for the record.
11:40
